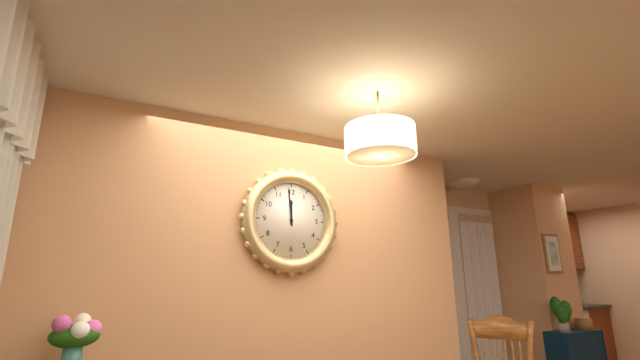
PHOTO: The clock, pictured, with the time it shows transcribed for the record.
11:59
